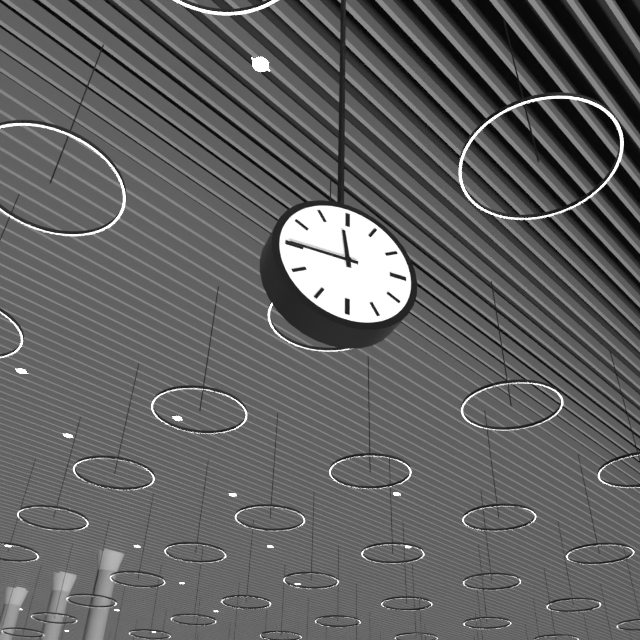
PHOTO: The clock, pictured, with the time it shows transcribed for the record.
11:45
